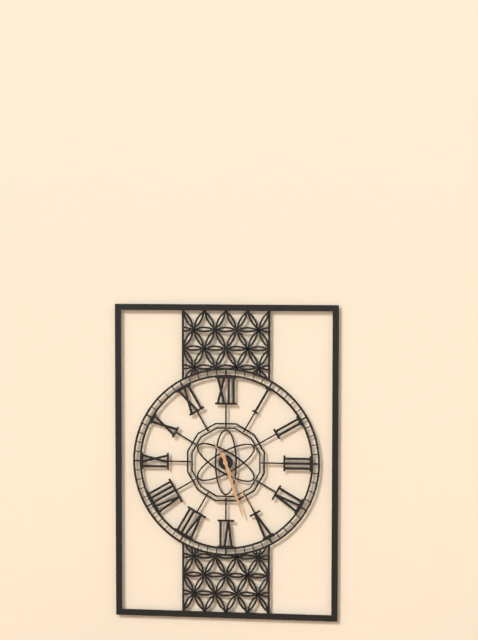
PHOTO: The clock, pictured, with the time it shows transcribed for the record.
5:27:25
